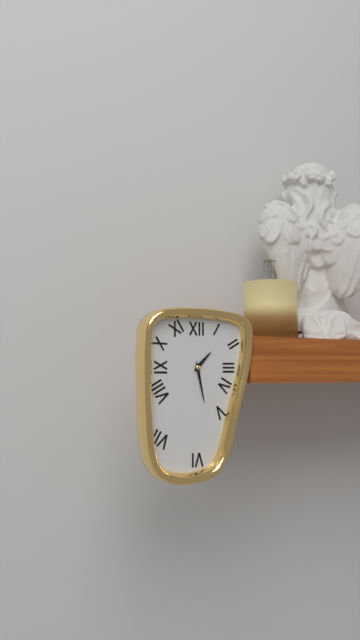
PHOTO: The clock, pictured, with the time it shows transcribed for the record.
1:28
